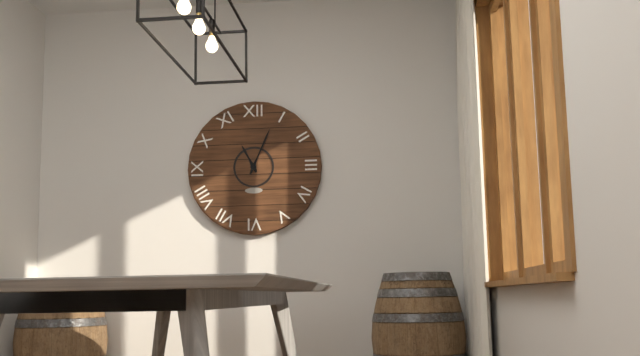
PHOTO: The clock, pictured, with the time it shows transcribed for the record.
11:04
